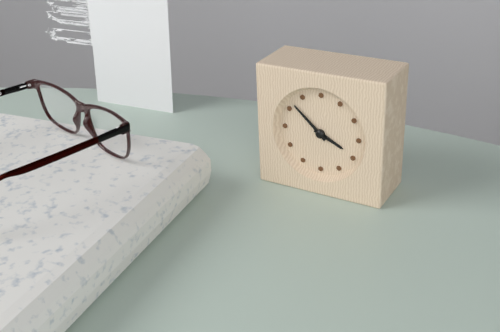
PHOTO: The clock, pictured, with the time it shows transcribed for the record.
3:52
